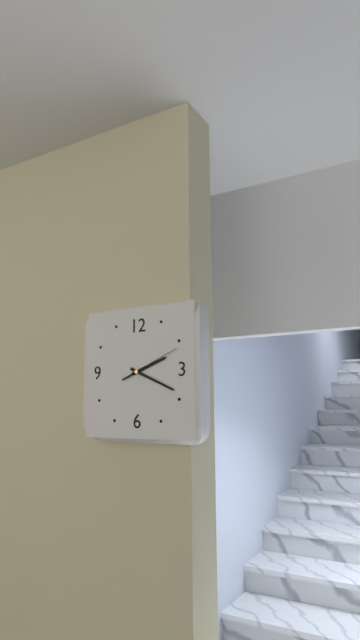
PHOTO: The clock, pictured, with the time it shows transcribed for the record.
2:19:11
